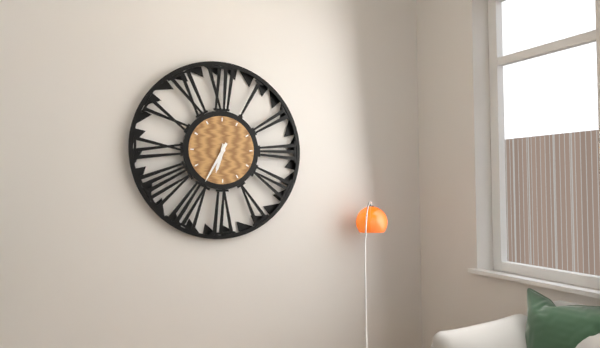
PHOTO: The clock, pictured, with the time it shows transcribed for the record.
6:35
